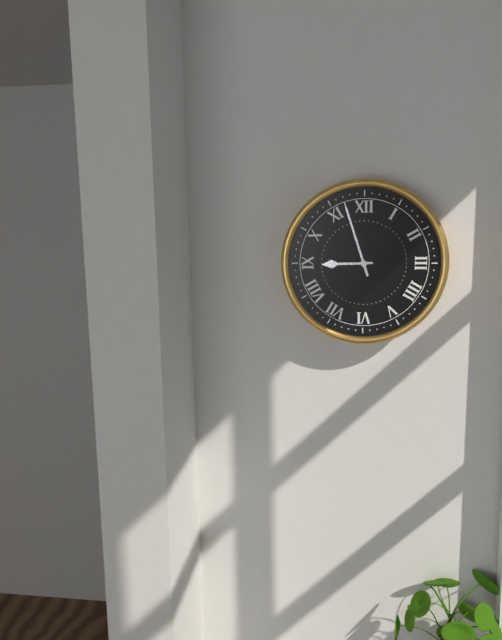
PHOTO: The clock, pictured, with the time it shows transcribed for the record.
8:57
